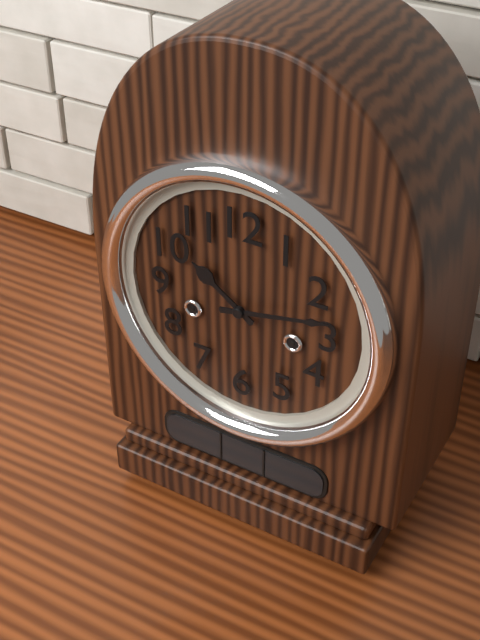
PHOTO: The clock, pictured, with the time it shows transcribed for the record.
10:13
